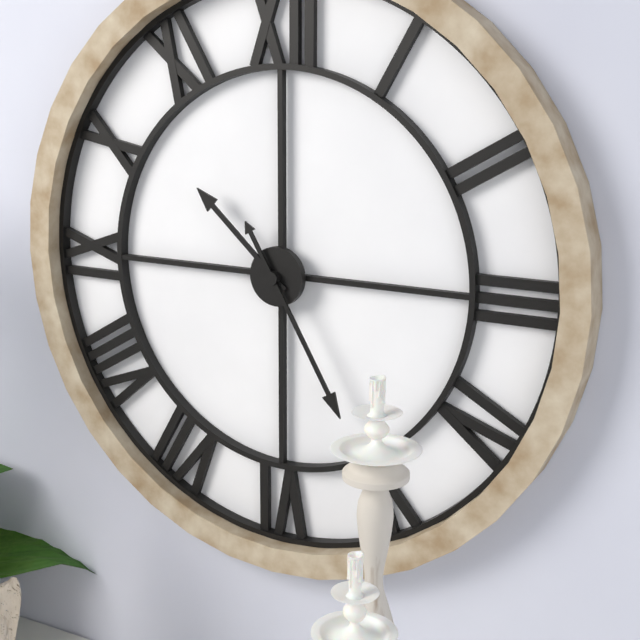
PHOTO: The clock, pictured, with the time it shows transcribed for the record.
10:25
